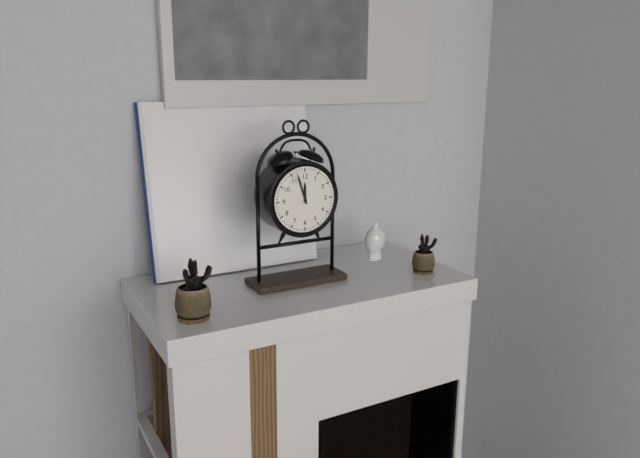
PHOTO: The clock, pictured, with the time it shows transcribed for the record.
11:57
